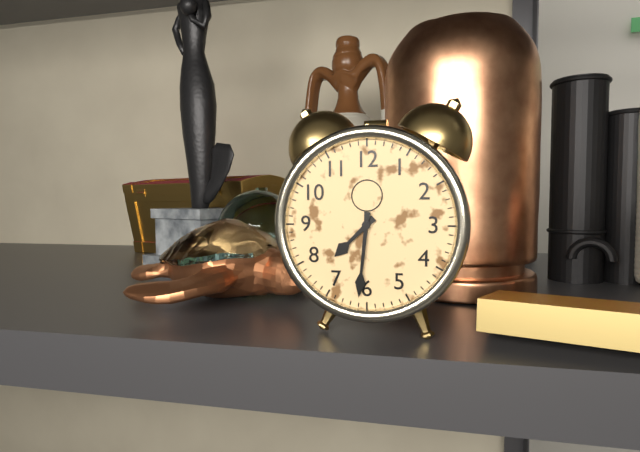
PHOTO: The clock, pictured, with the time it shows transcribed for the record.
7:31
